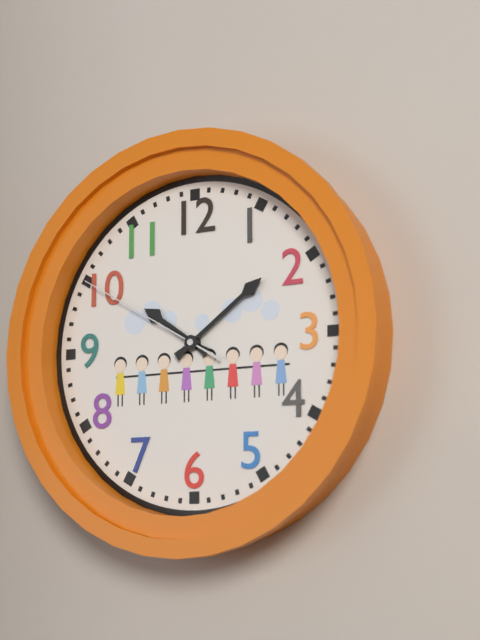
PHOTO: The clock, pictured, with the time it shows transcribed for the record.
10:09:50
